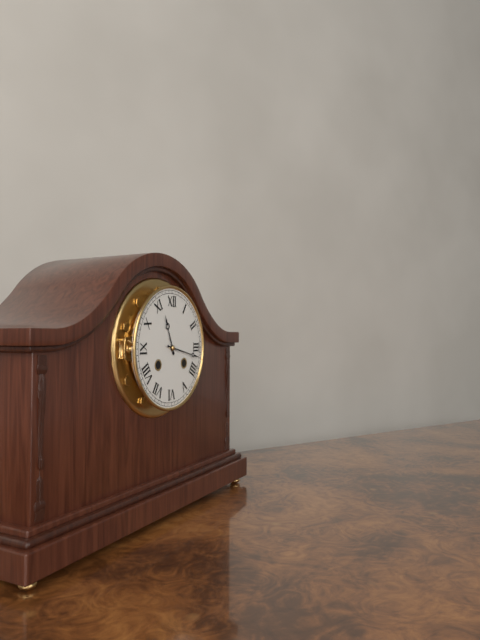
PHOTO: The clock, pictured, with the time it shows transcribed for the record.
11:17
